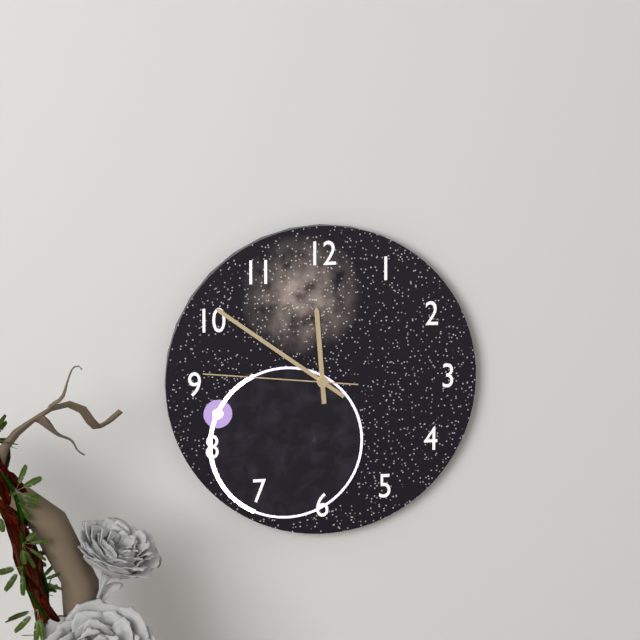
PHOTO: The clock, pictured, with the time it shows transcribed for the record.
11:51:46
